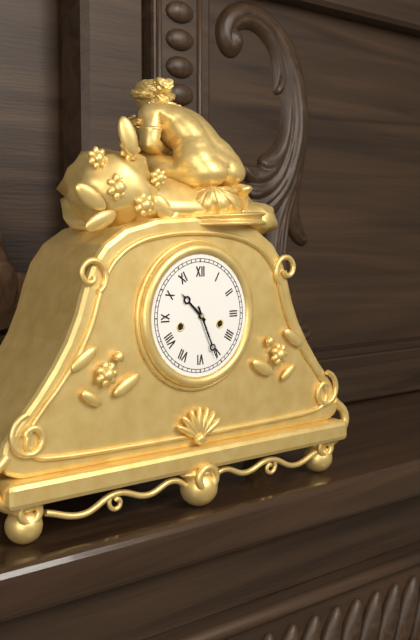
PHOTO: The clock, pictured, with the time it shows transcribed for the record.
10:26
